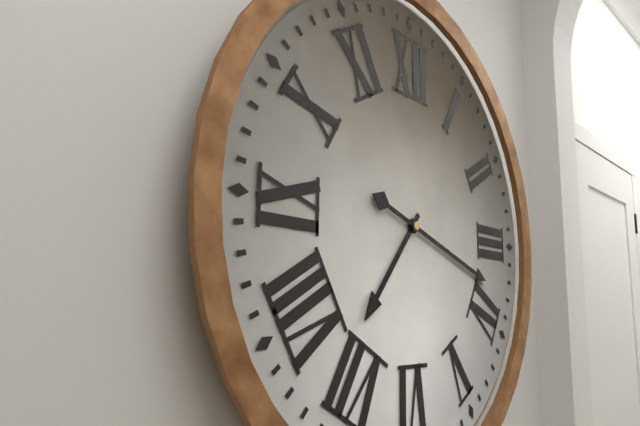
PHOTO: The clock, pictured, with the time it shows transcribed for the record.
7:18
